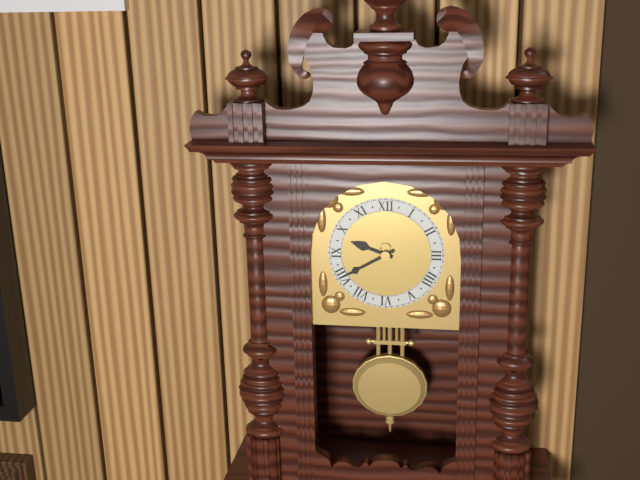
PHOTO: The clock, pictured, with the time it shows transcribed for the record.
9:40
